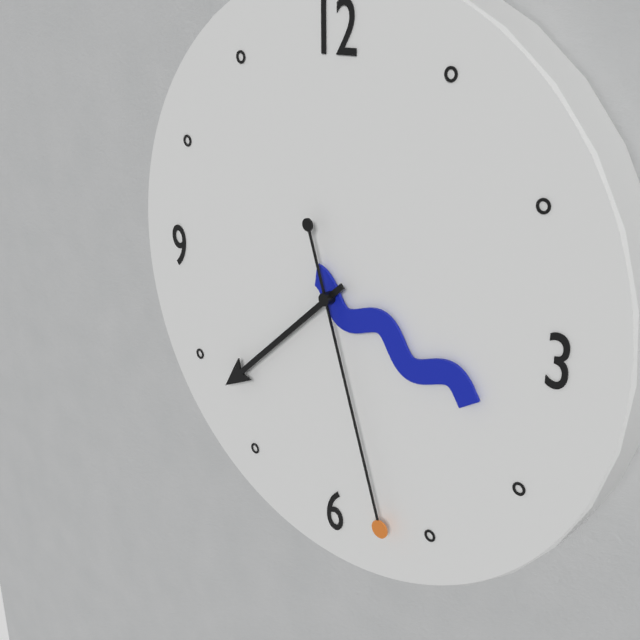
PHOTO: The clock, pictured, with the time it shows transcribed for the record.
3:38:27
